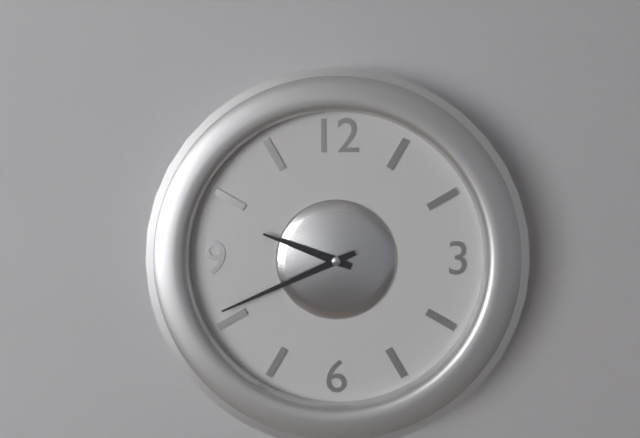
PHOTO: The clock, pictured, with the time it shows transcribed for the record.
9:41
